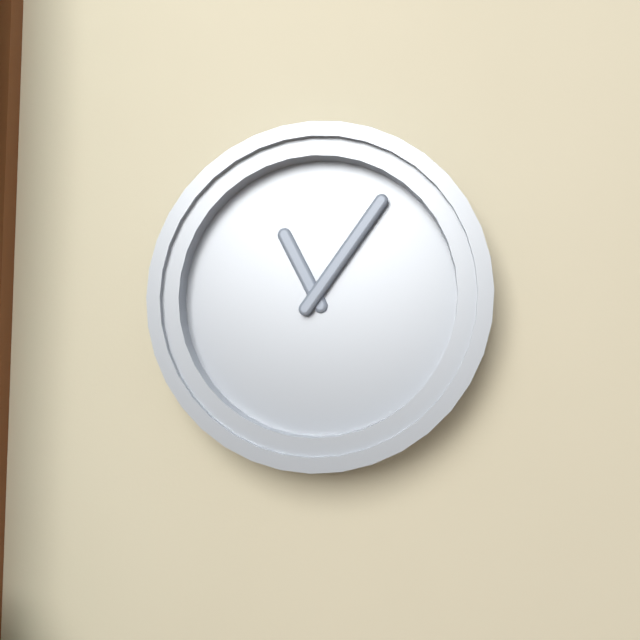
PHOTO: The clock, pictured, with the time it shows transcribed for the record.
11:06
